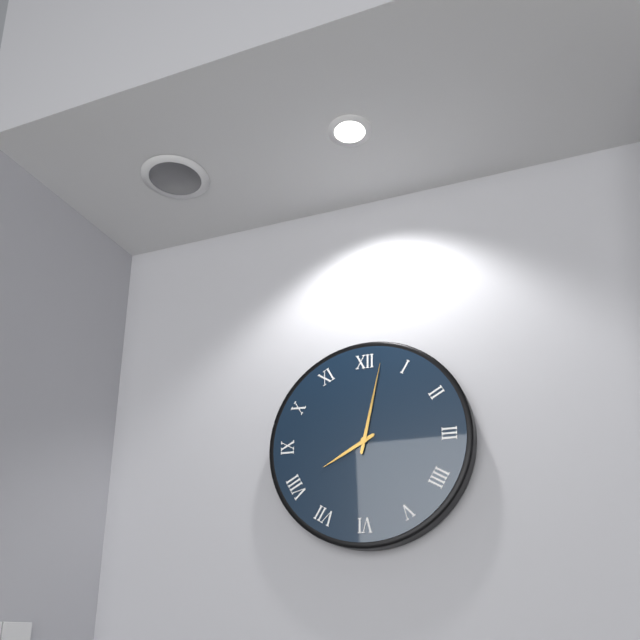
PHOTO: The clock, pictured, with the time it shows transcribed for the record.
8:02
